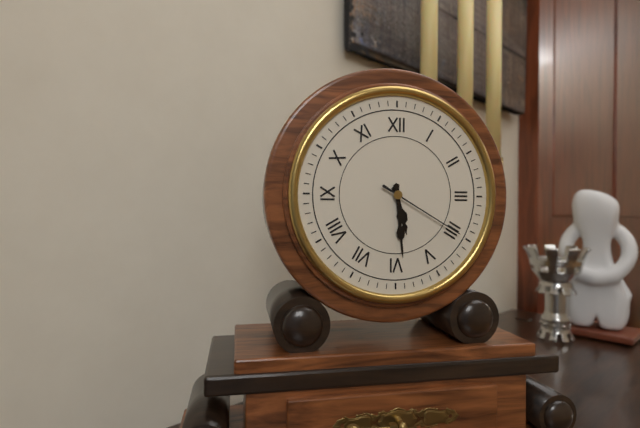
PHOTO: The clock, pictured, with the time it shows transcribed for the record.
5:29:20
